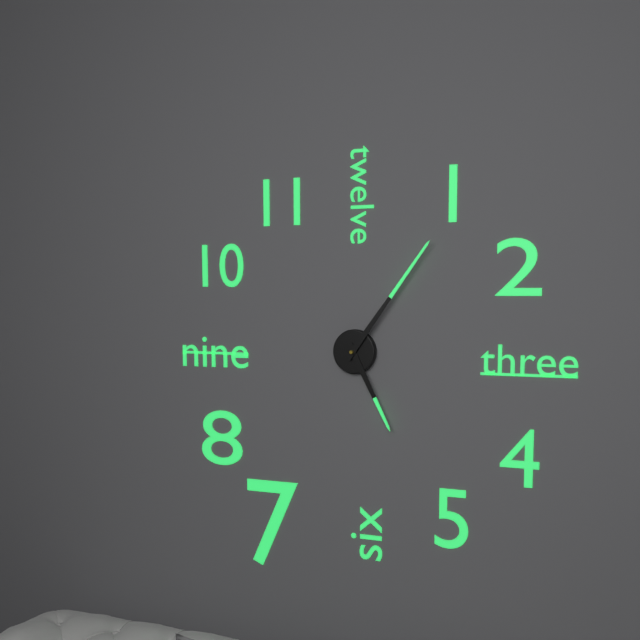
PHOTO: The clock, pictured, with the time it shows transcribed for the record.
5:06
